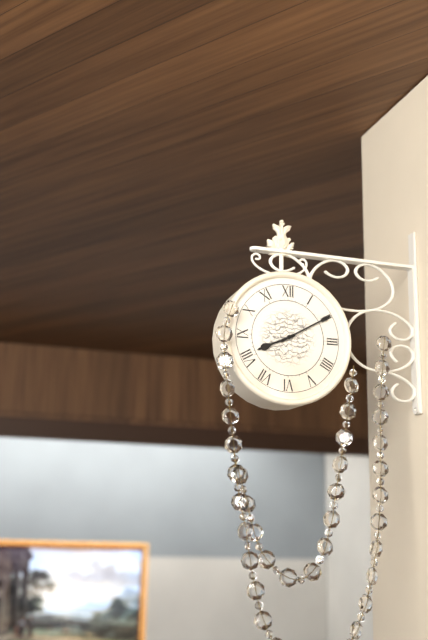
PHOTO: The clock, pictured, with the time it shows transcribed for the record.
8:10
